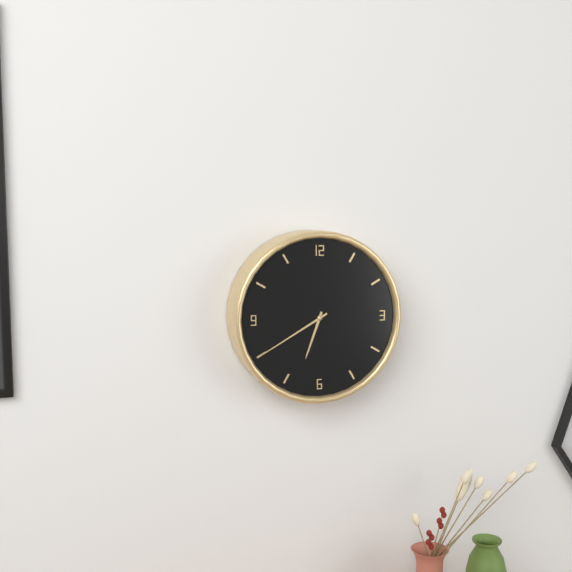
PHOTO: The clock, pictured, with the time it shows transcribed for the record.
6:40
